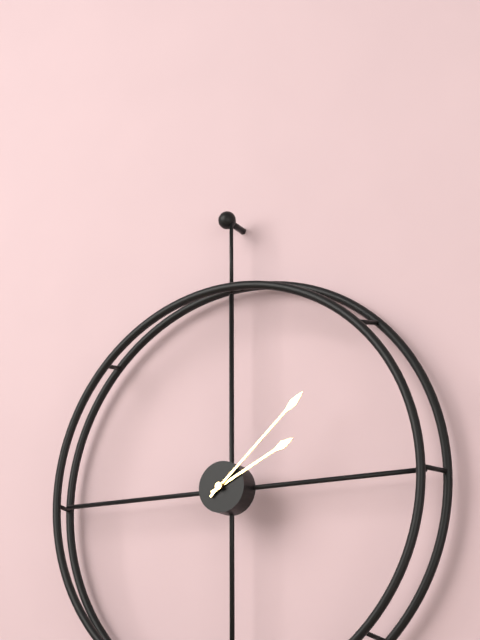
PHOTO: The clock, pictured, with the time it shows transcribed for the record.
2:08
